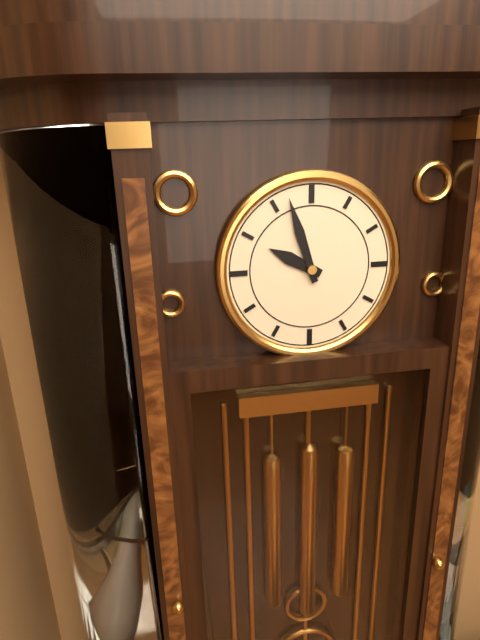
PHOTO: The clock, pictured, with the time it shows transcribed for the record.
9:57
